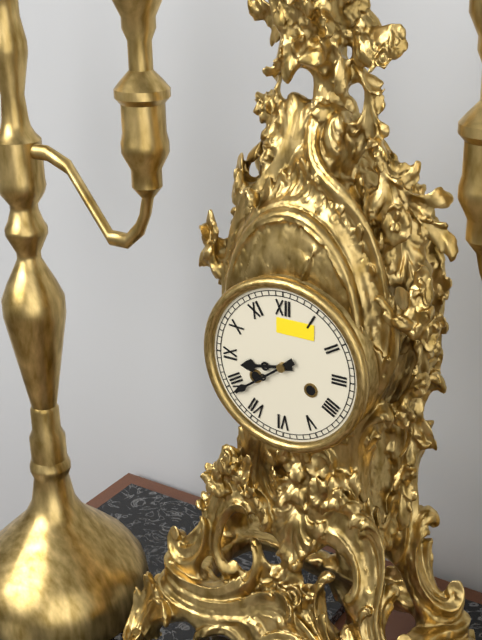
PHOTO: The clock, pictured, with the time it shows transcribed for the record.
8:39
